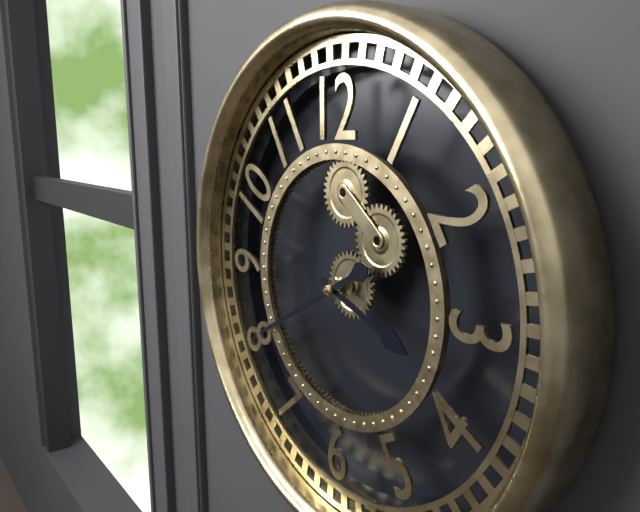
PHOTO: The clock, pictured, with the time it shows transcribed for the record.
3:40
